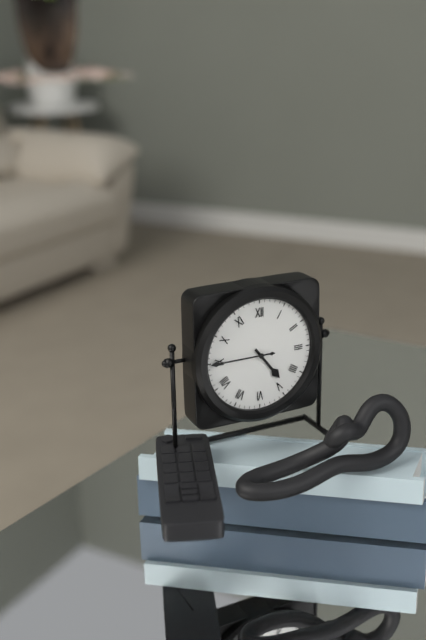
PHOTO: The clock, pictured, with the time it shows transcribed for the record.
4:45
